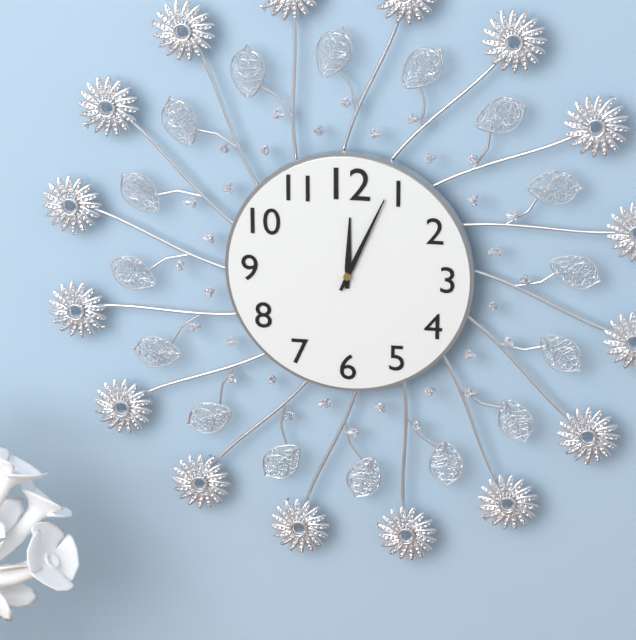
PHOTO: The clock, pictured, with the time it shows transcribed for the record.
12:04
